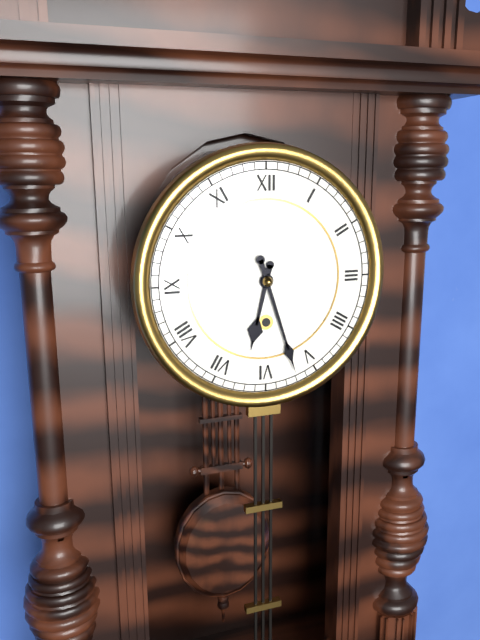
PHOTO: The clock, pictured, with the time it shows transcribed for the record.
6:27
